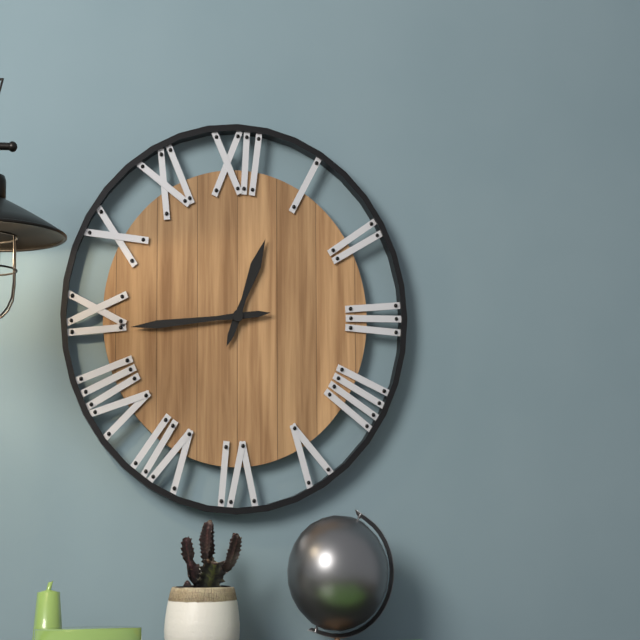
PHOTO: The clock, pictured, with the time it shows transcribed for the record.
12:44
